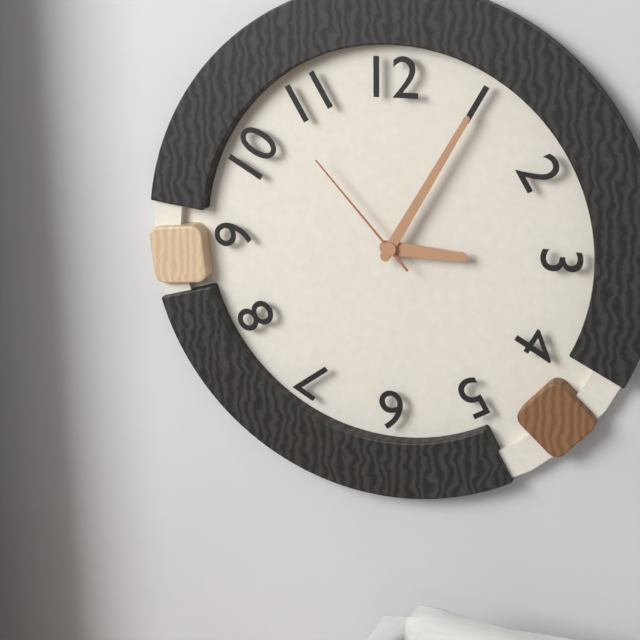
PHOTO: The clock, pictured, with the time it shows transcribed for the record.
3:05:53
